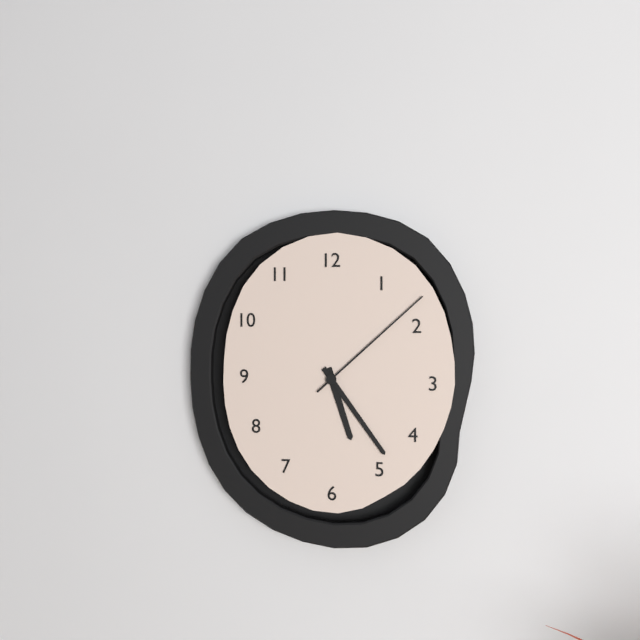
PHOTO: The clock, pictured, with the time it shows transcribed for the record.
5:24:08
